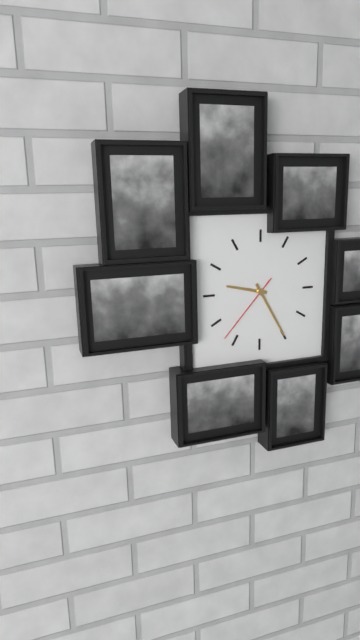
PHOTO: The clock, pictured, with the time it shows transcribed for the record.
9:25:37
